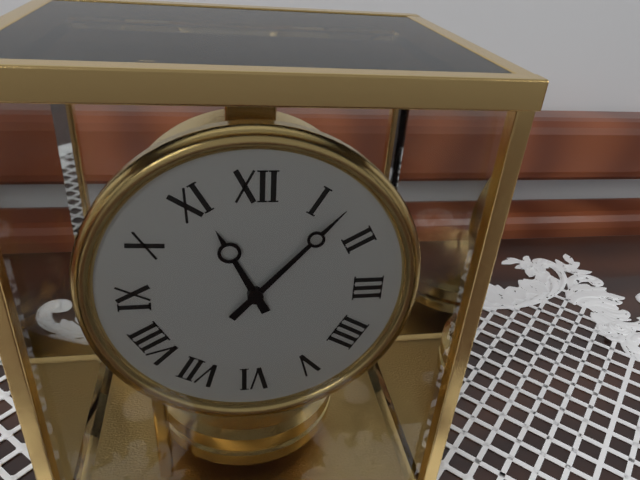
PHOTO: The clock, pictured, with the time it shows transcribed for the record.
11:07
